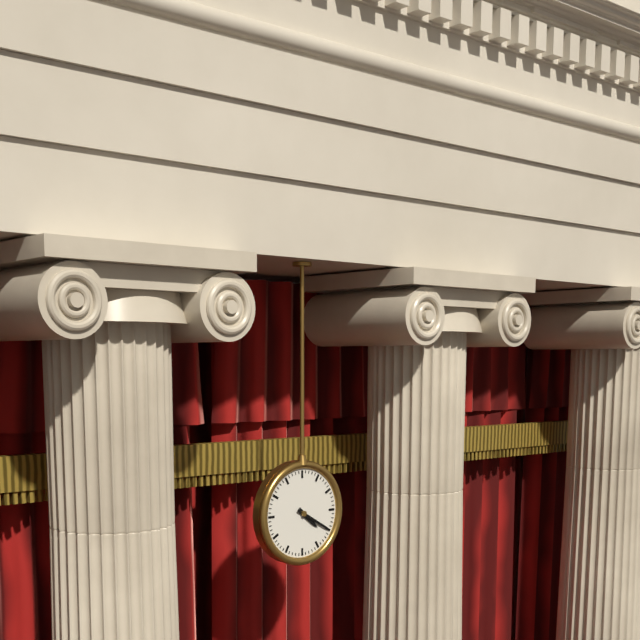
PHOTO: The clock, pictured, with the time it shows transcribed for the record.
4:20
